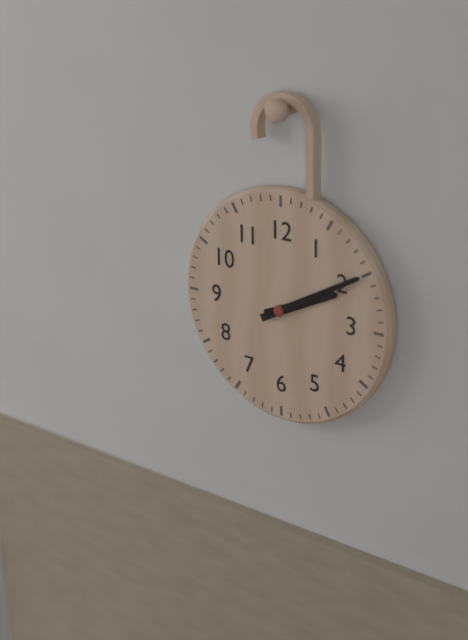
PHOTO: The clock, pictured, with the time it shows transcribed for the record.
2:10
